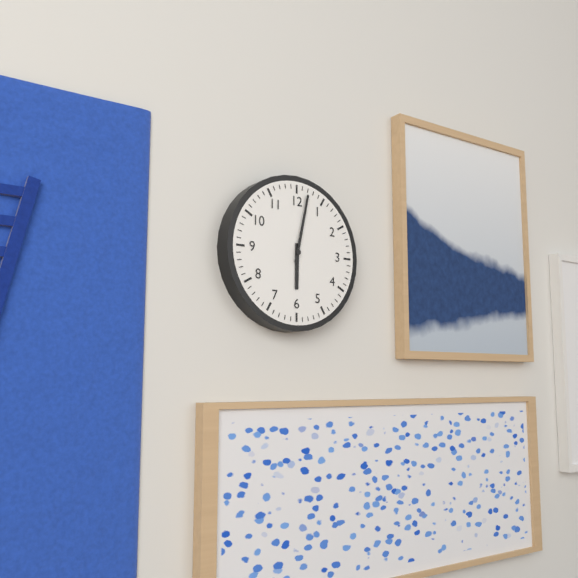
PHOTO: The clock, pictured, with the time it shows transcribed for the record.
6:02
